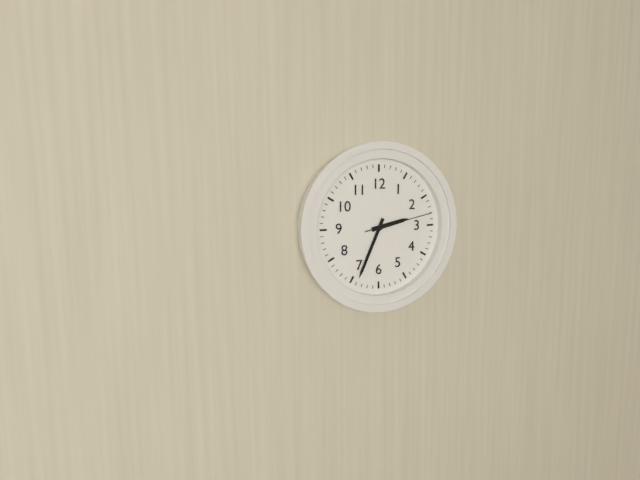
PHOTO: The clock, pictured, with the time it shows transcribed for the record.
2:34:13
